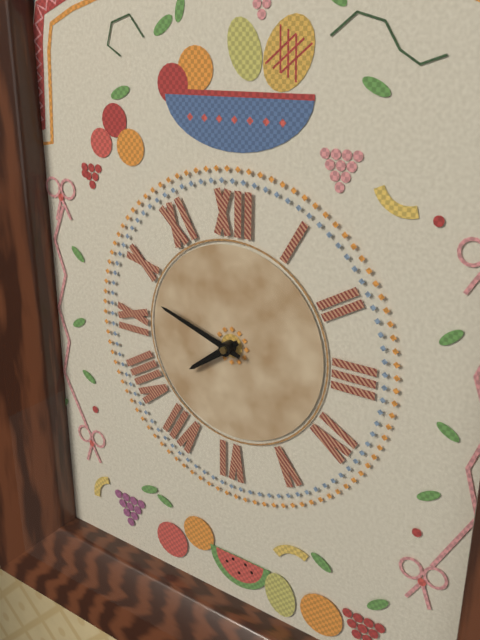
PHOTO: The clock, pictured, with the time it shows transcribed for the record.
7:48
